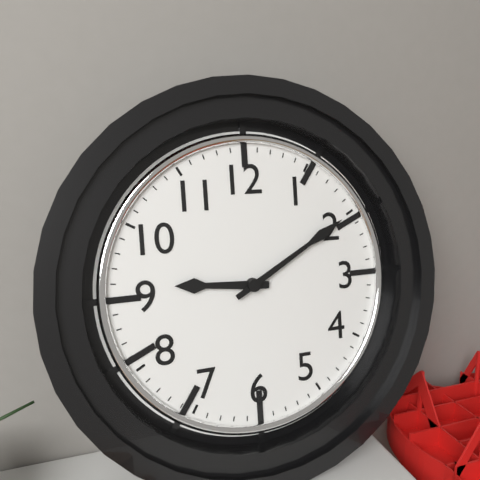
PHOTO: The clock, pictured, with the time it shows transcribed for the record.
9:10
